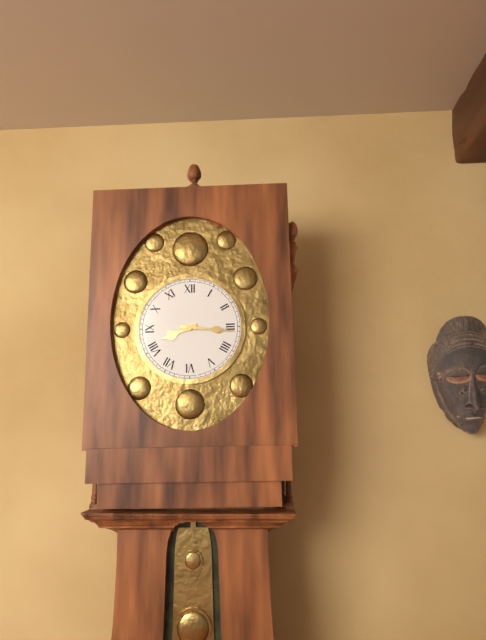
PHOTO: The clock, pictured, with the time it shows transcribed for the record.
8:16
